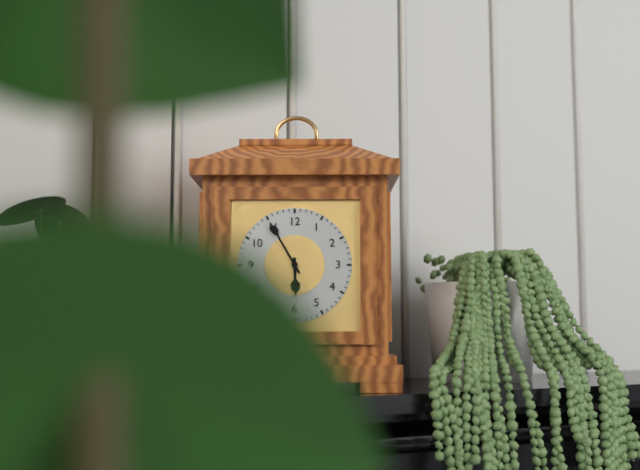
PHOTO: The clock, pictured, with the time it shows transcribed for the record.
5:55
